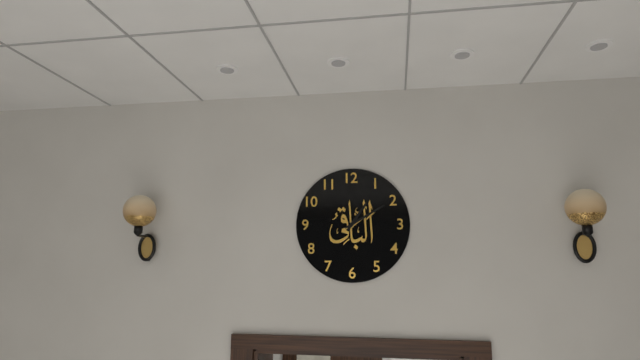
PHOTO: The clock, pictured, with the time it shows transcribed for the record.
1:10
